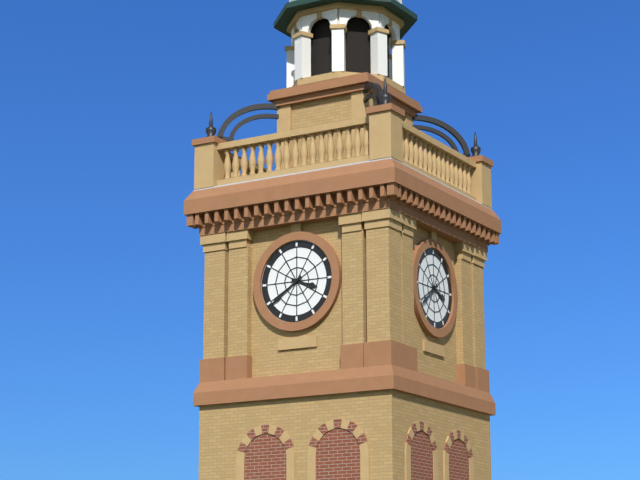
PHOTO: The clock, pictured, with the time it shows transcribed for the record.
3:39
